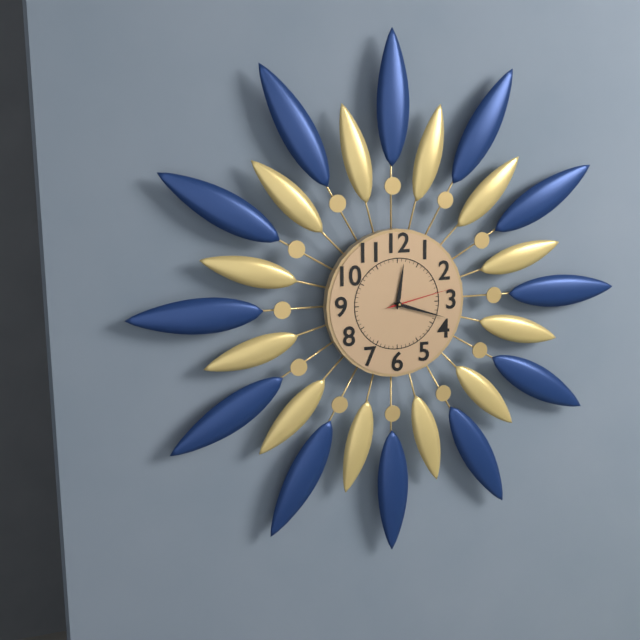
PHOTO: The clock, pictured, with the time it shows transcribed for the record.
12:18:13
